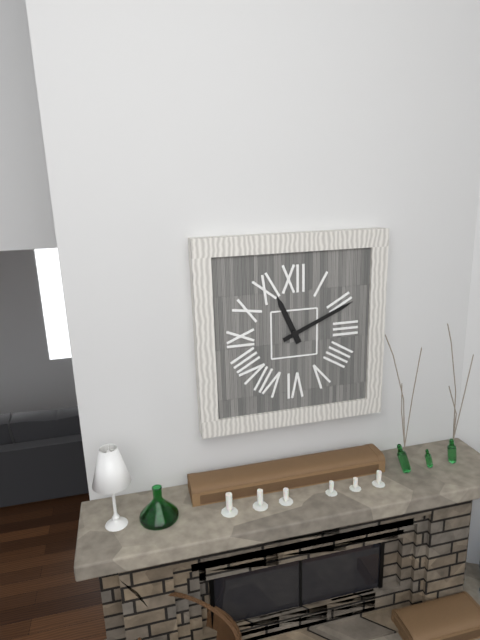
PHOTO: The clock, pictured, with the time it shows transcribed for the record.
11:11
